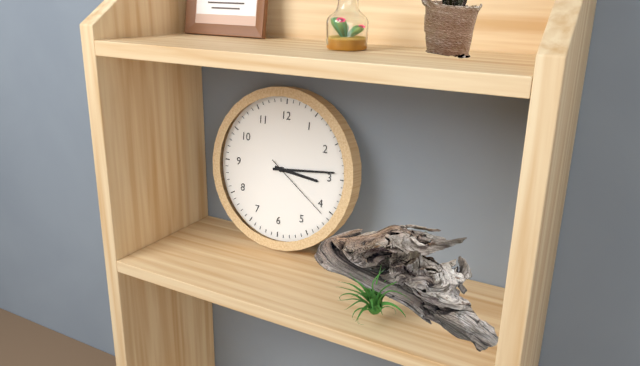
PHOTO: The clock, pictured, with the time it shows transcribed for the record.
3:14:21
